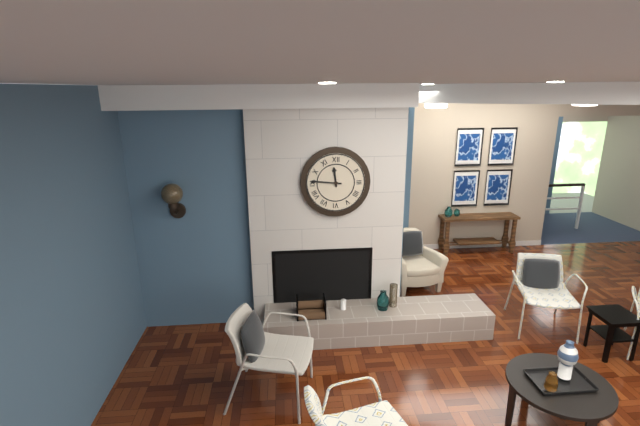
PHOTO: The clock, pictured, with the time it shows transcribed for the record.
11:46
